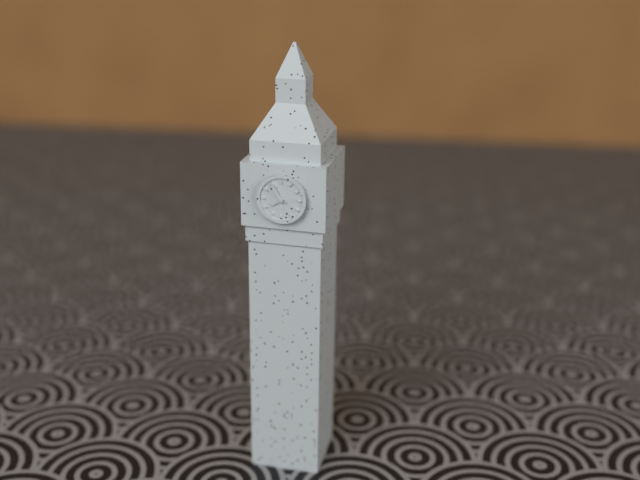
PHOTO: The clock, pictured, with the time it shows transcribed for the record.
7:55
